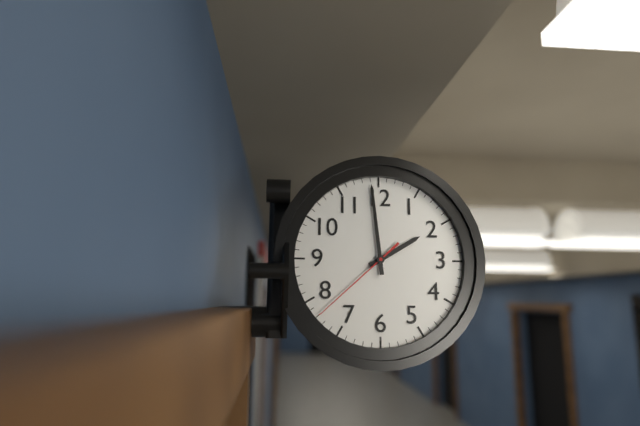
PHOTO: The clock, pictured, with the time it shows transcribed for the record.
1:59:38
